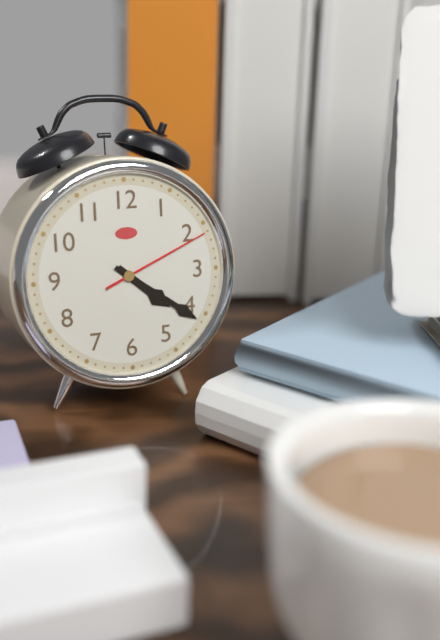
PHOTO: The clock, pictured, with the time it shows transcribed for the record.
4:21:11
